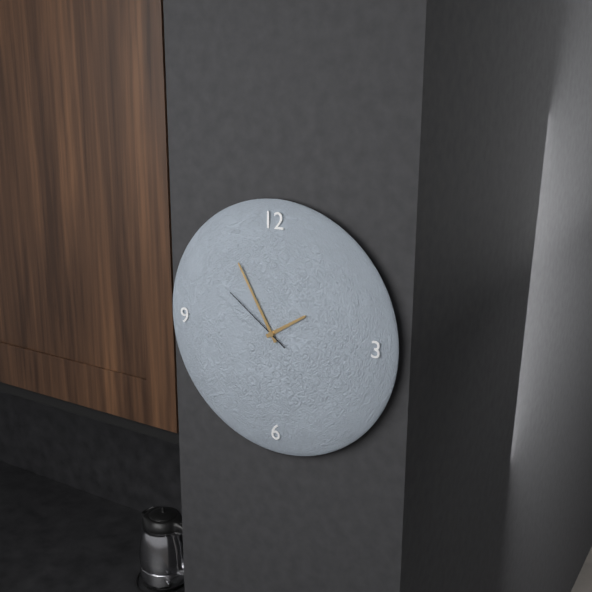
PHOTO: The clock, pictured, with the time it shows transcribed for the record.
1:55:51
